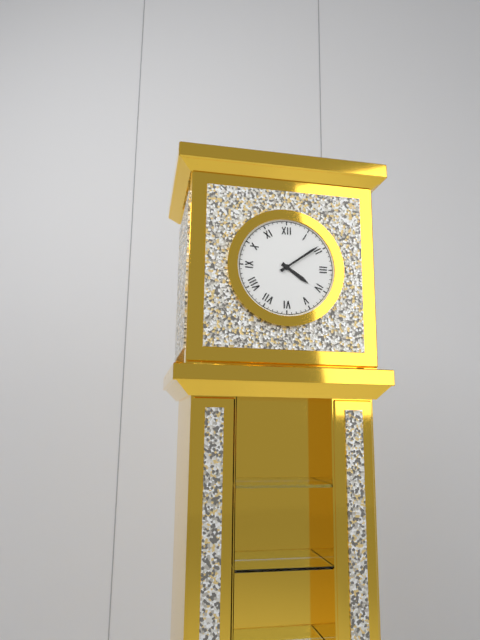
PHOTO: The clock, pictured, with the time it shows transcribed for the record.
4:09
